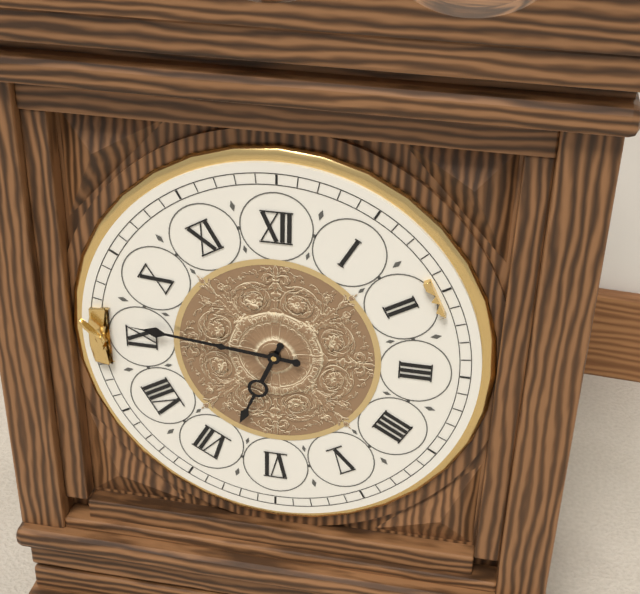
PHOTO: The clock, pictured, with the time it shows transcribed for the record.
6:46
